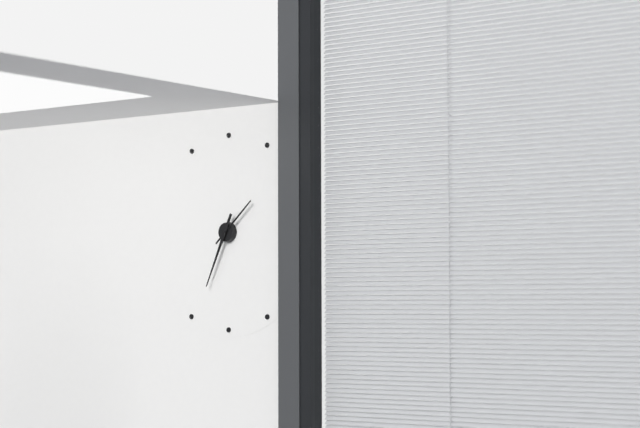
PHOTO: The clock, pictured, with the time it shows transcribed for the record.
1:34
